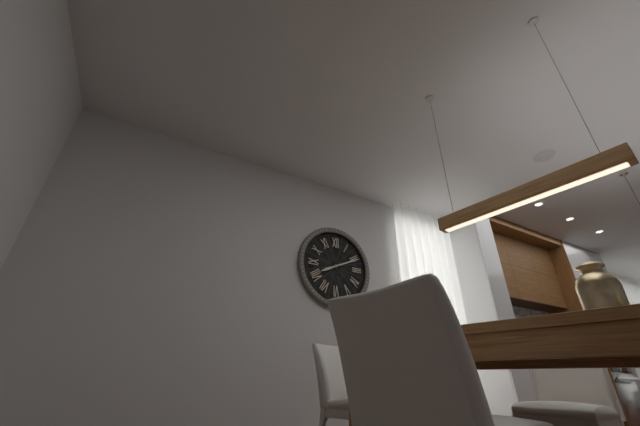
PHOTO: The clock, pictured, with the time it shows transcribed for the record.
8:11
